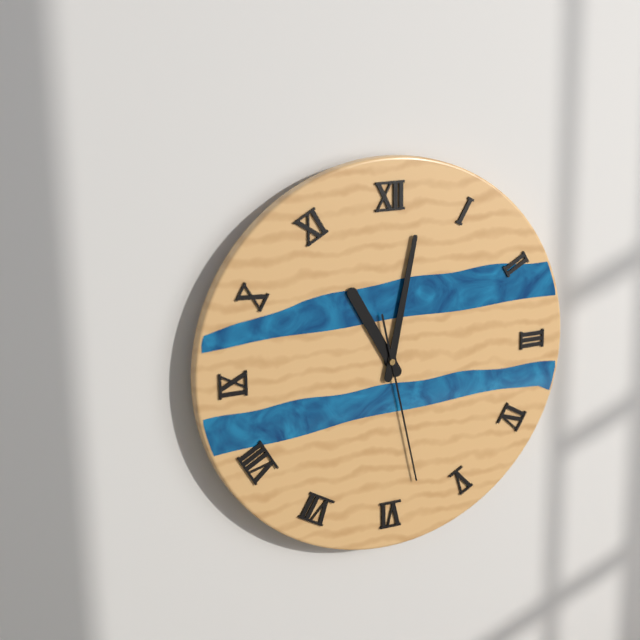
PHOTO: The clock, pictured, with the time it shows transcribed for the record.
11:02:28
